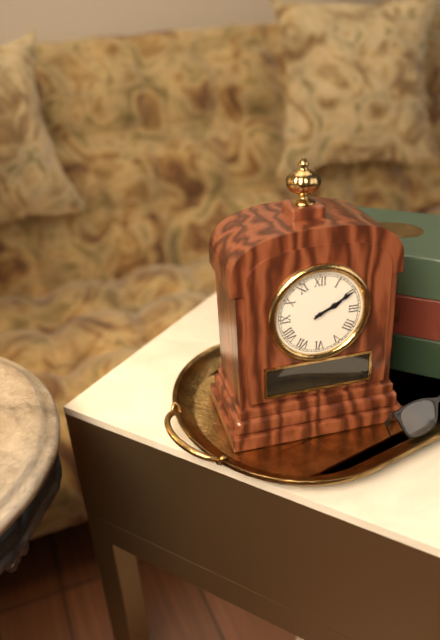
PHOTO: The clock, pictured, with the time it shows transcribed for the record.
2:10
